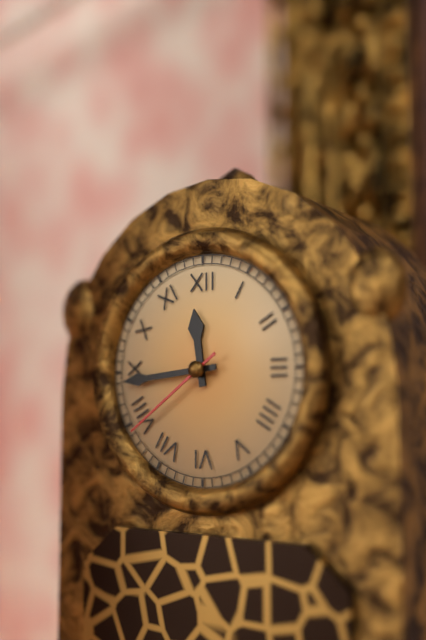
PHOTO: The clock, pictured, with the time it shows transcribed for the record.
11:44:39
